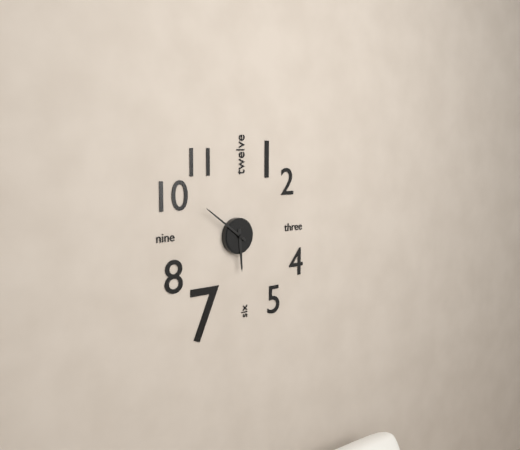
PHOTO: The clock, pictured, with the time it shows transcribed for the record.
5:51
